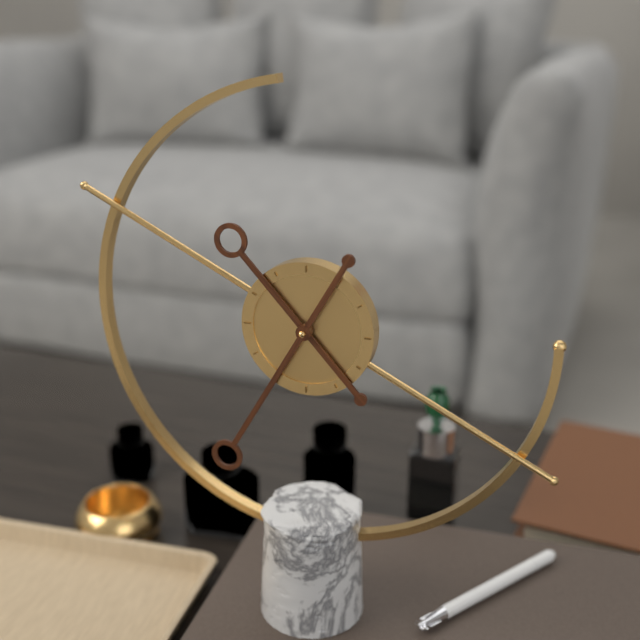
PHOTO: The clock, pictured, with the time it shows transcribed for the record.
10:35
